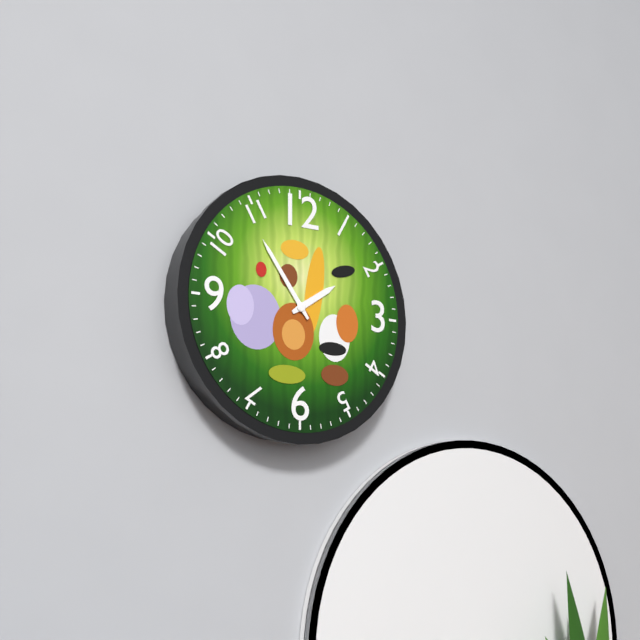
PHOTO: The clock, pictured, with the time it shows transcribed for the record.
1:54
